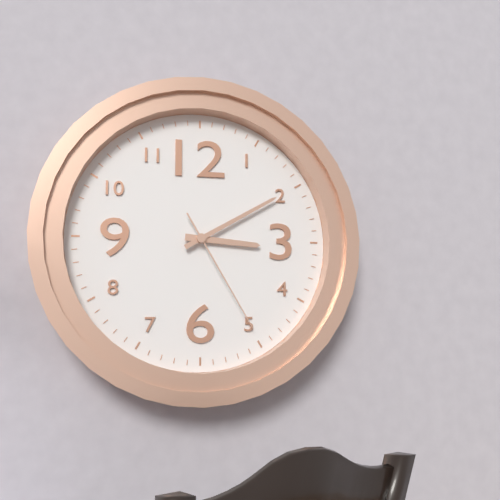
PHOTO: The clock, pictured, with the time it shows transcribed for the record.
3:10:25
